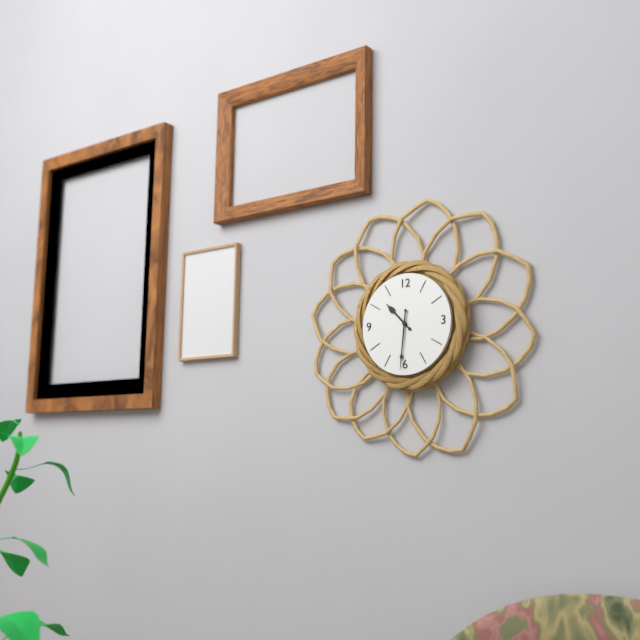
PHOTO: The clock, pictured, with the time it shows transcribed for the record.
10:31
